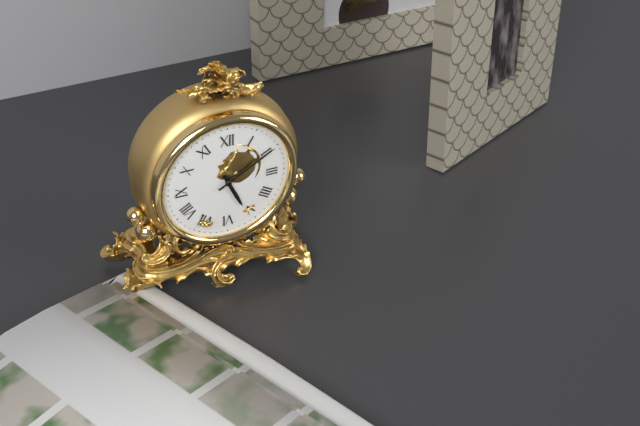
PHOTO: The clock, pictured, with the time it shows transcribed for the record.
5:10
